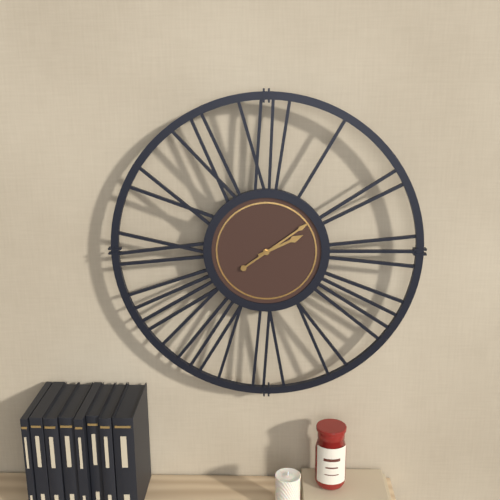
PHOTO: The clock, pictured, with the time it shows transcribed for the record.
2:09
